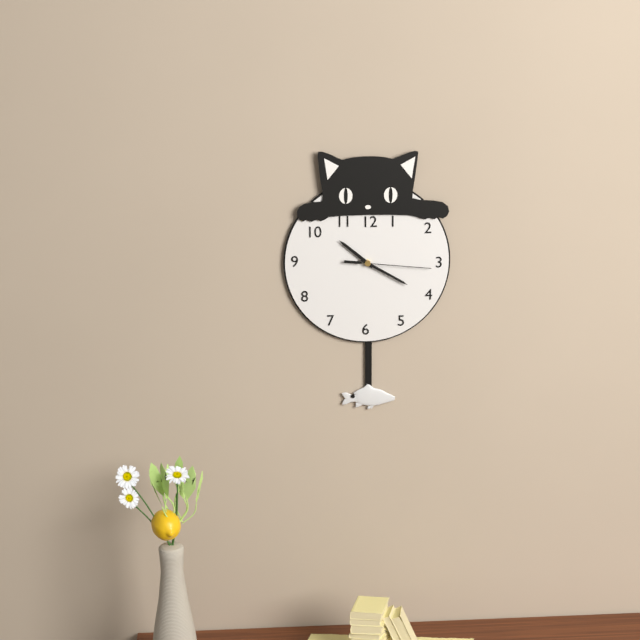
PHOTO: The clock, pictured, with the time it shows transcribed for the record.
10:20:16
